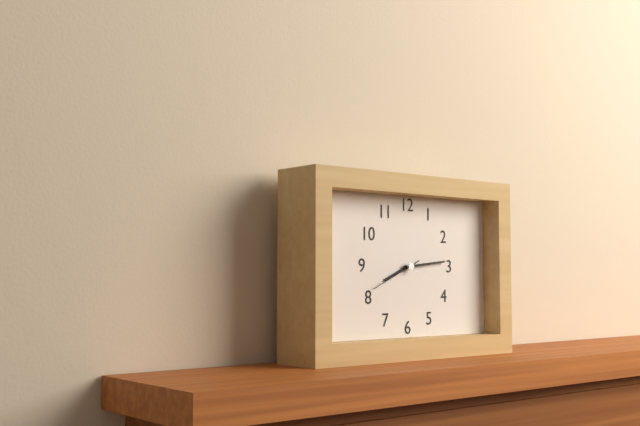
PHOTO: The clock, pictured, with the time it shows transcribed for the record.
8:14:41
